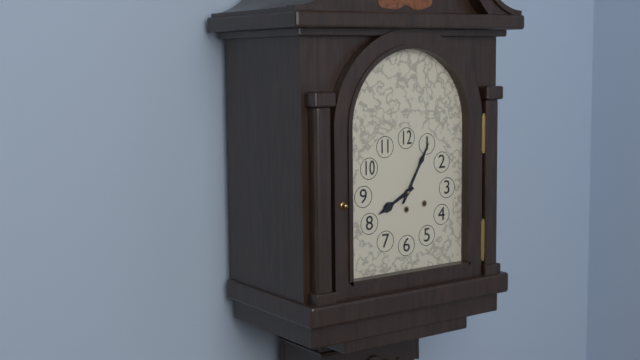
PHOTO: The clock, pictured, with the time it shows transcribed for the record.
8:05
